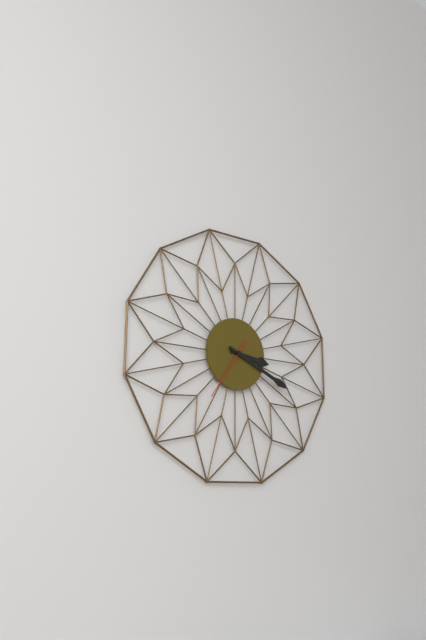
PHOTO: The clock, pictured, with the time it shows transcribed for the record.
3:19:36
